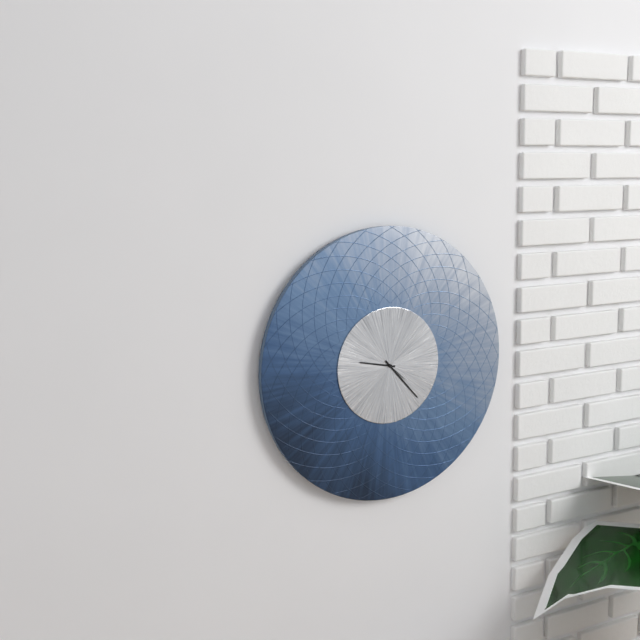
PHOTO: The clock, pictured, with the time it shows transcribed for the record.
9:23
